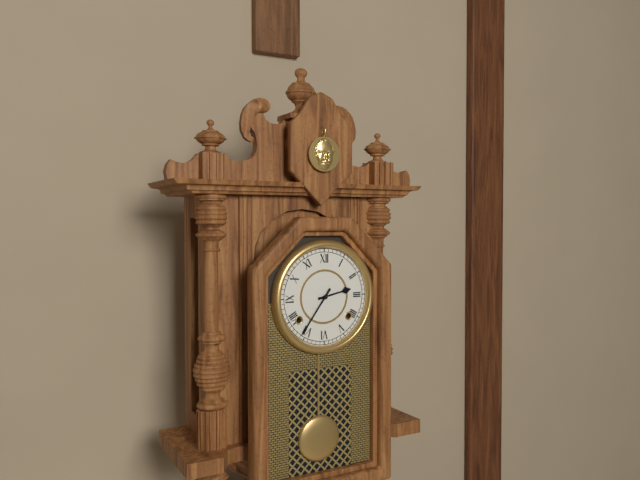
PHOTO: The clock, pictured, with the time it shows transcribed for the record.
2:36
